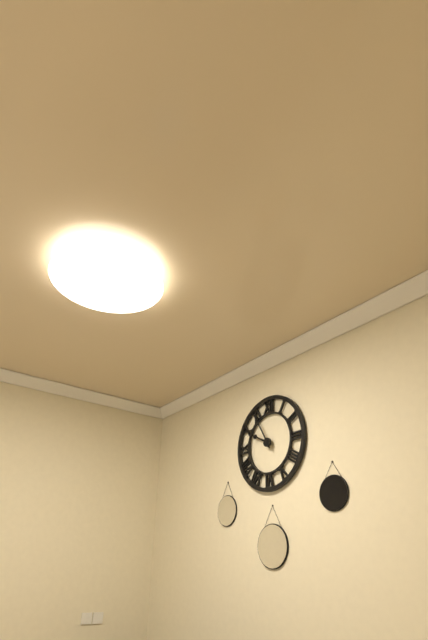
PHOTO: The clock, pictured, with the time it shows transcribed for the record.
9:55
